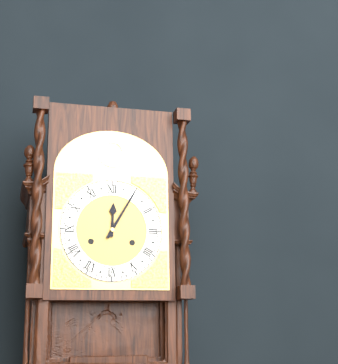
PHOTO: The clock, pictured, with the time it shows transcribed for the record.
12:05
